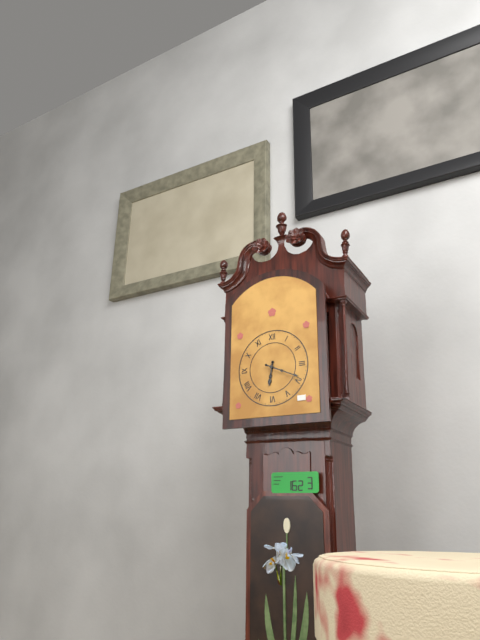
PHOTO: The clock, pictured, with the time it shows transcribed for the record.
6:19
